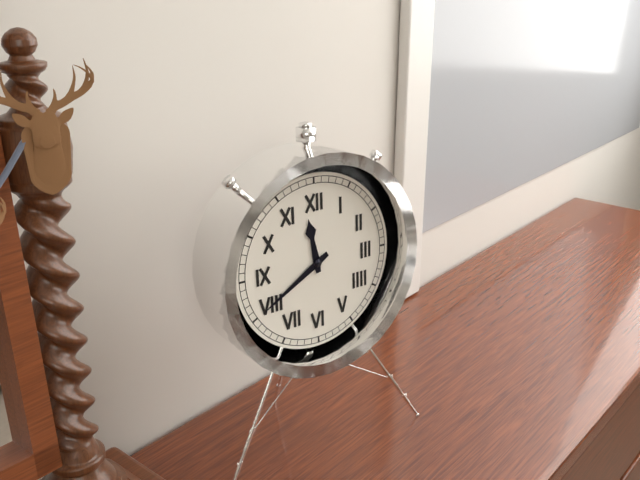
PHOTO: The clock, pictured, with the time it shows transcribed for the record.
11:40
